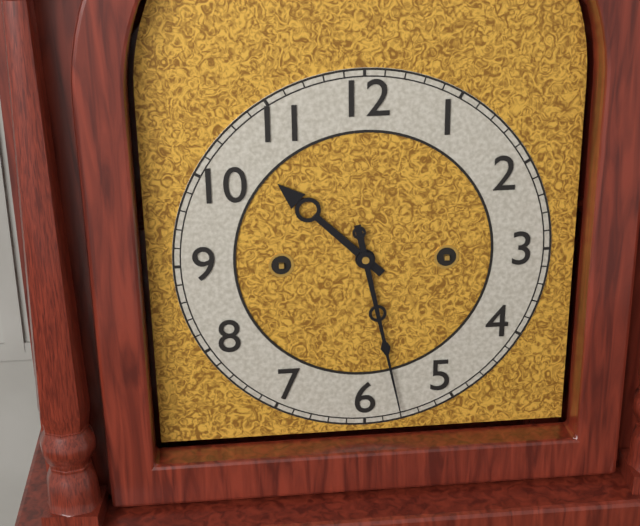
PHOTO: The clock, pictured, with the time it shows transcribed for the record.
10:28
